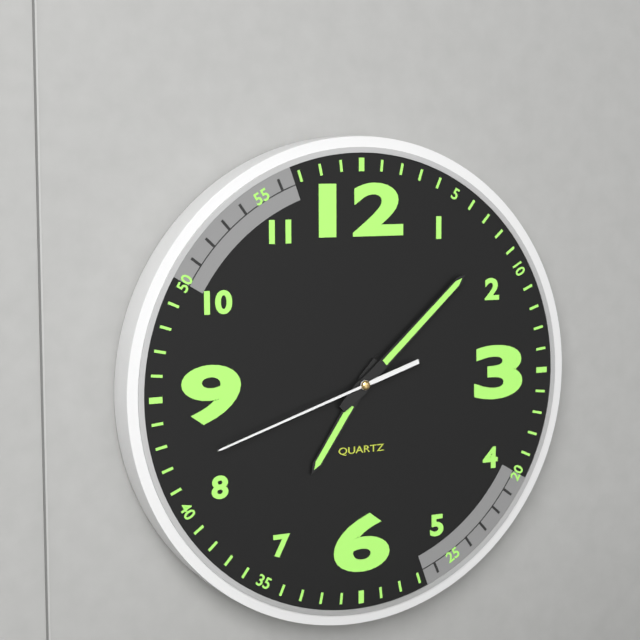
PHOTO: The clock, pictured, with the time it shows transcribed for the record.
7:08:42
